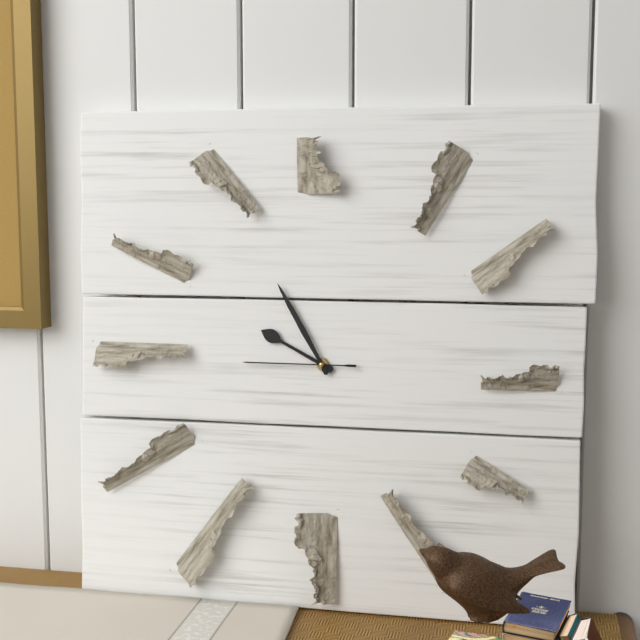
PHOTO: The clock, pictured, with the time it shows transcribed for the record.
9:55:45
